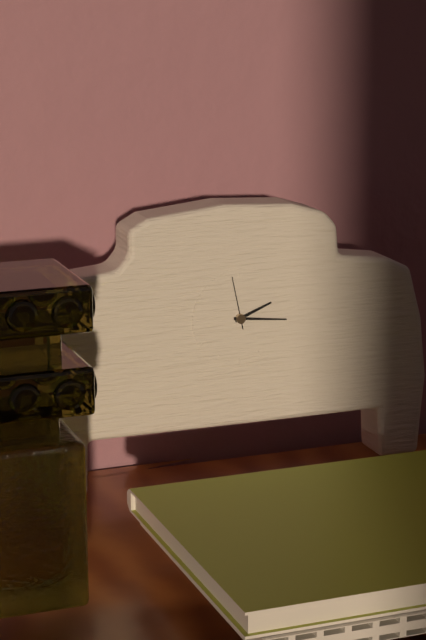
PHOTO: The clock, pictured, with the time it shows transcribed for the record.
2:16:58
